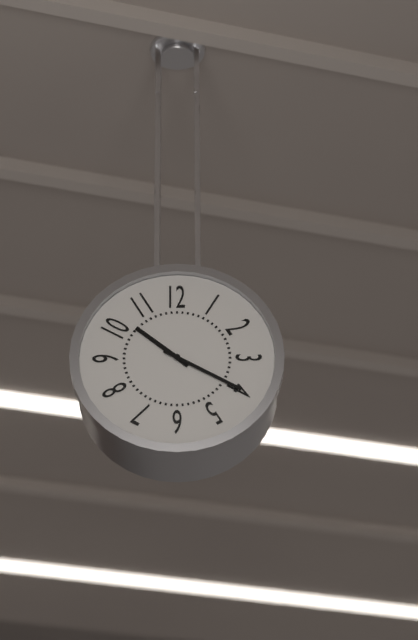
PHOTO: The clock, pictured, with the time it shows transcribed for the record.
10:20
